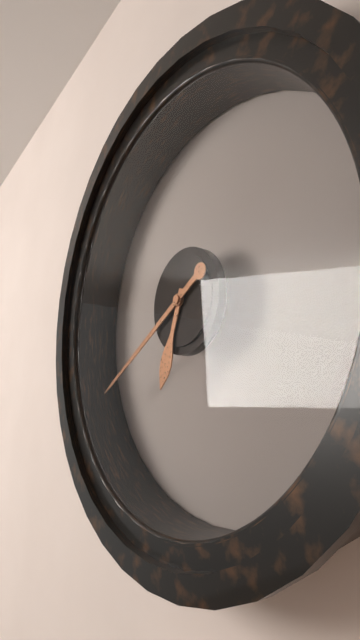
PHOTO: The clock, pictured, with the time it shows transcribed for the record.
6:40
